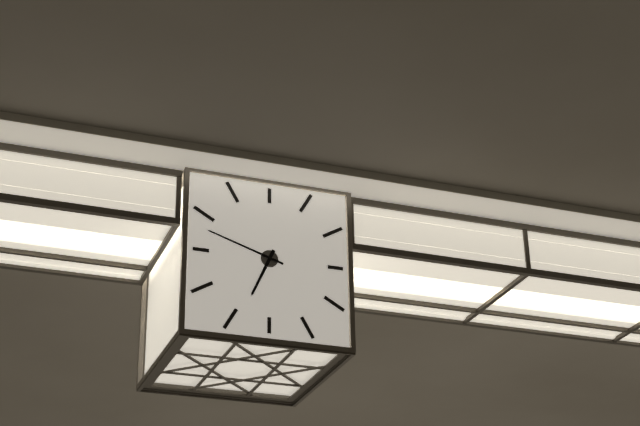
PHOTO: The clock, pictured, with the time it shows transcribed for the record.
6:48
